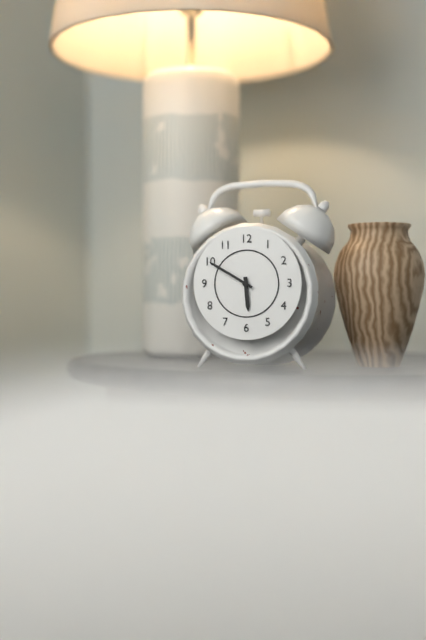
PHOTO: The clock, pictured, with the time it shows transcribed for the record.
5:50
